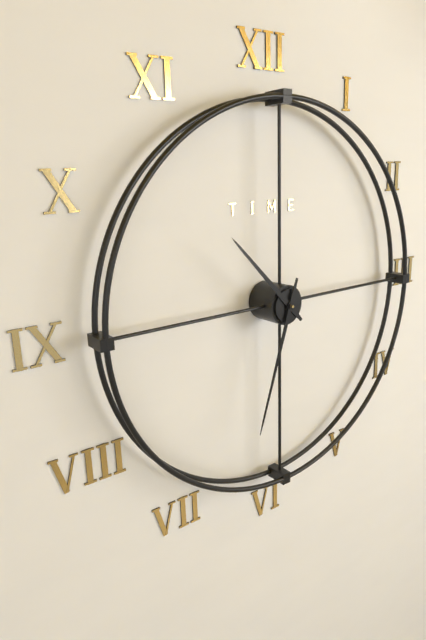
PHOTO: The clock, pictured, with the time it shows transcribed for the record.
10:33
